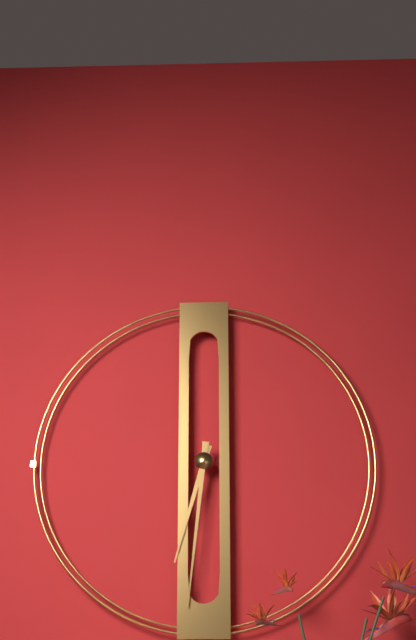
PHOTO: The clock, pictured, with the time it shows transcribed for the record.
6:31
